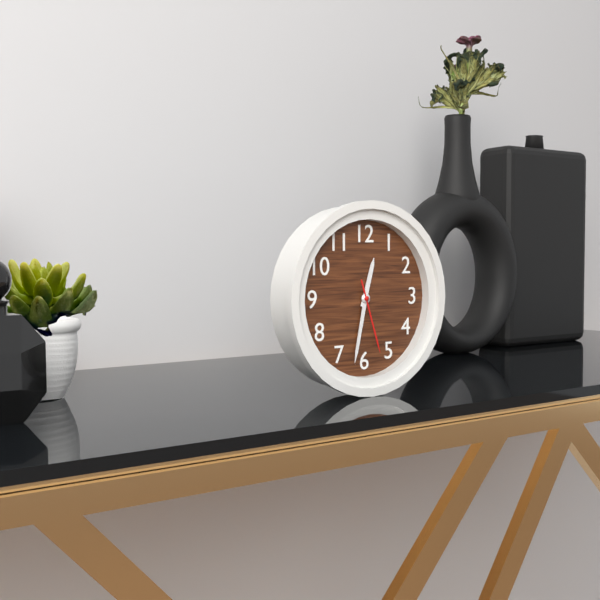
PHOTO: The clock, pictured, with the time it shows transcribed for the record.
12:32:27
